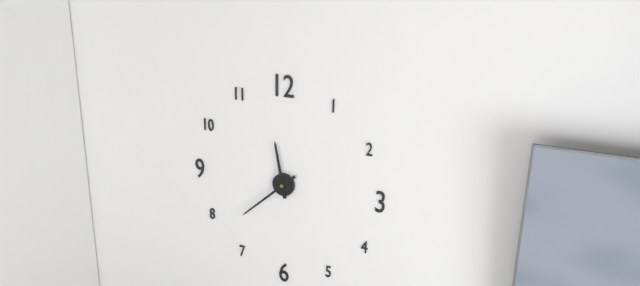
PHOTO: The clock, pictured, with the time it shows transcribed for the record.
11:38
